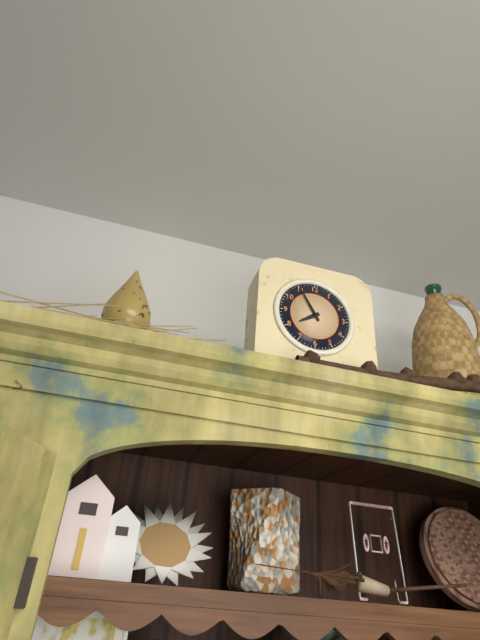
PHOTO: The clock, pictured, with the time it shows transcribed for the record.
7:55
